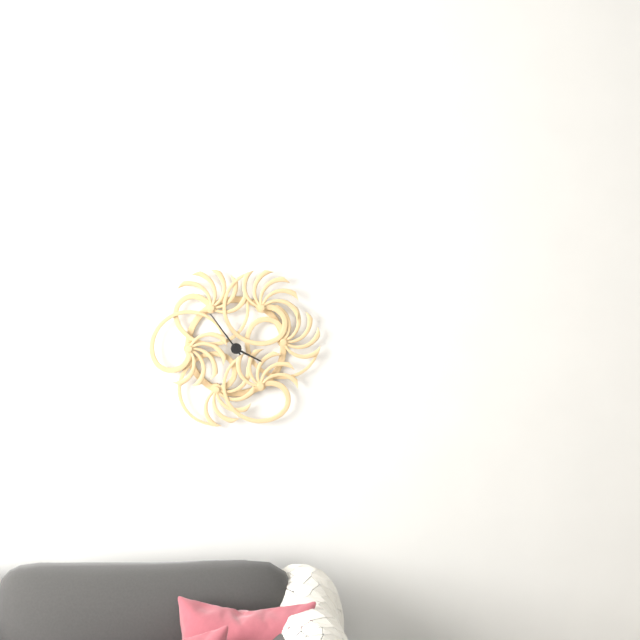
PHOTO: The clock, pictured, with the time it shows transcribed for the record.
3:54
